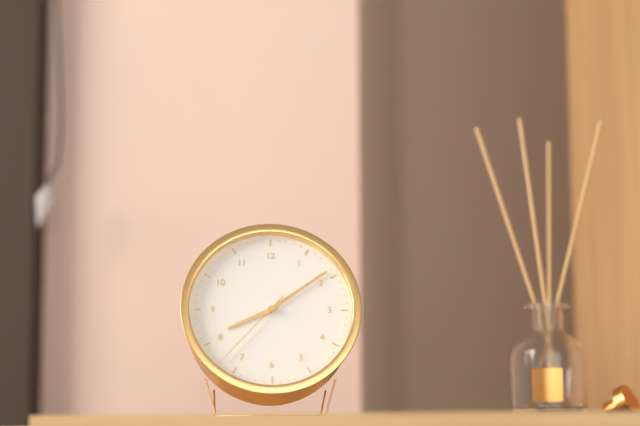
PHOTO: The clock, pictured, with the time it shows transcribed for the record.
8:09:37
